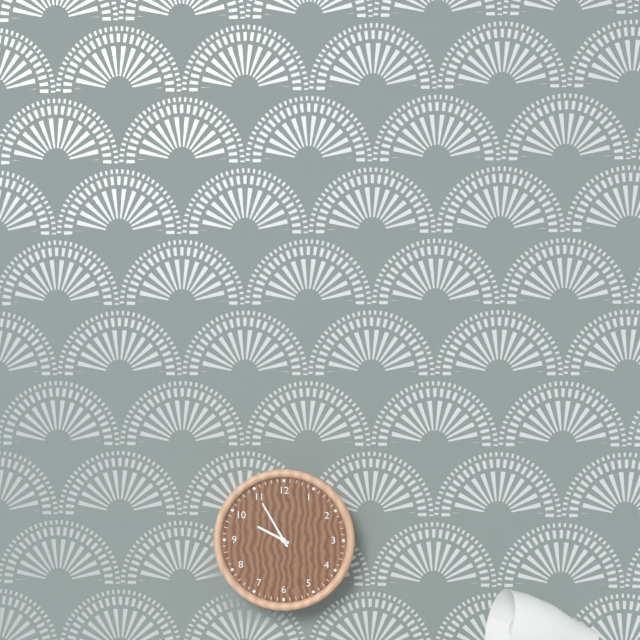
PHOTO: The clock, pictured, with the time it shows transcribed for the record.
9:55
